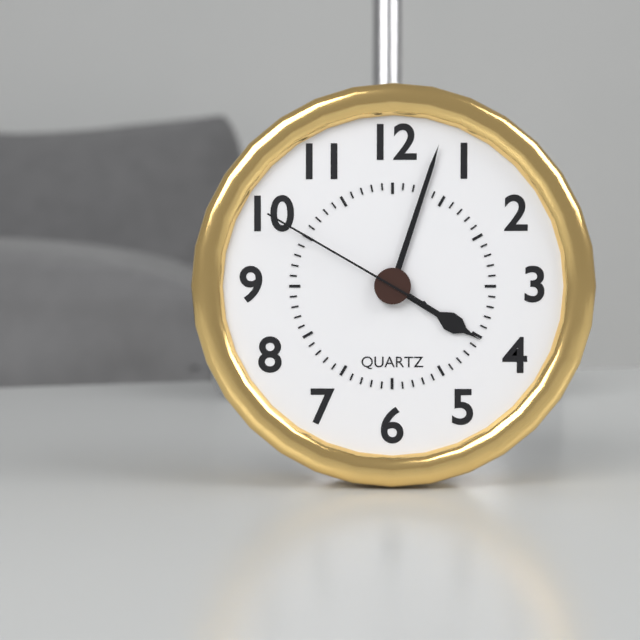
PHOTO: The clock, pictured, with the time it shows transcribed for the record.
4:03:50
